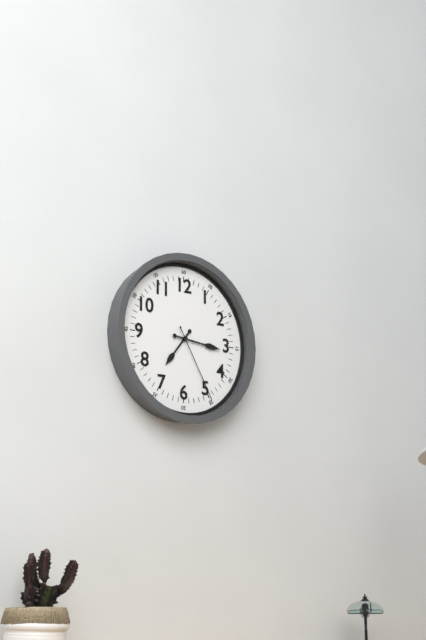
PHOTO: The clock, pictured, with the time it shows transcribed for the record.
7:16:25
